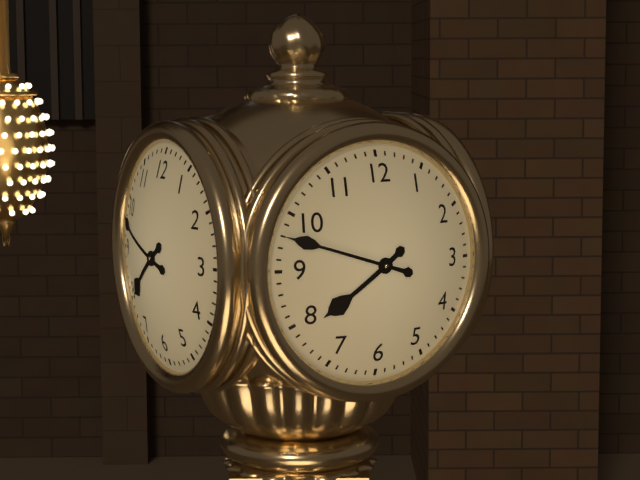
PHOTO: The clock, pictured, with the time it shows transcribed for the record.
7:48
